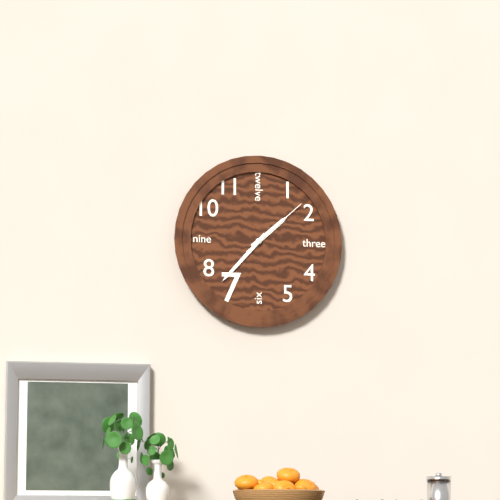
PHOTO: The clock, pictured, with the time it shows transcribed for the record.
1:37:08
